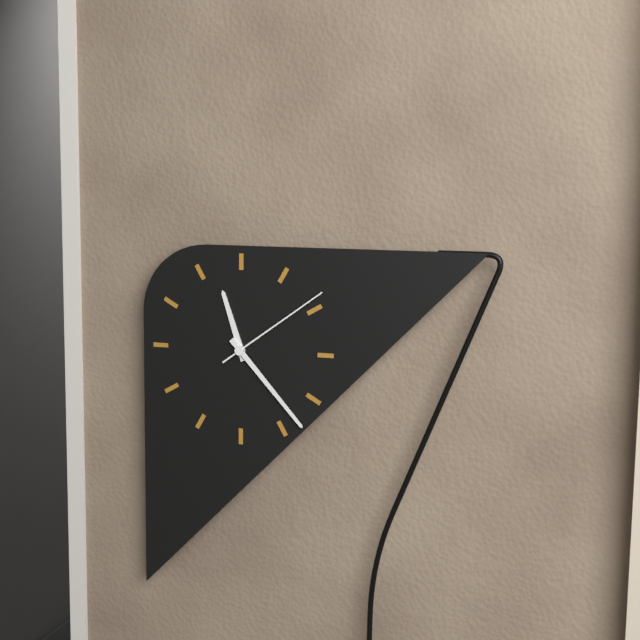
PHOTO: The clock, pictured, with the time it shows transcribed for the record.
11:23:09
